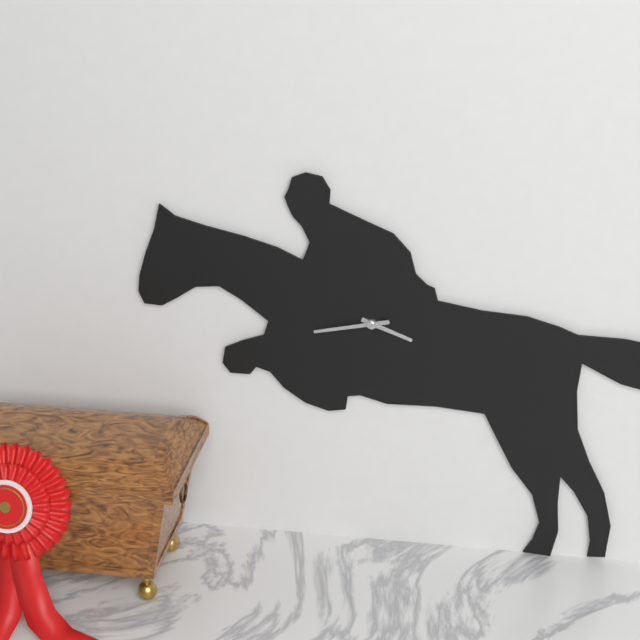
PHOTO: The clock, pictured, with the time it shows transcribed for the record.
3:43
